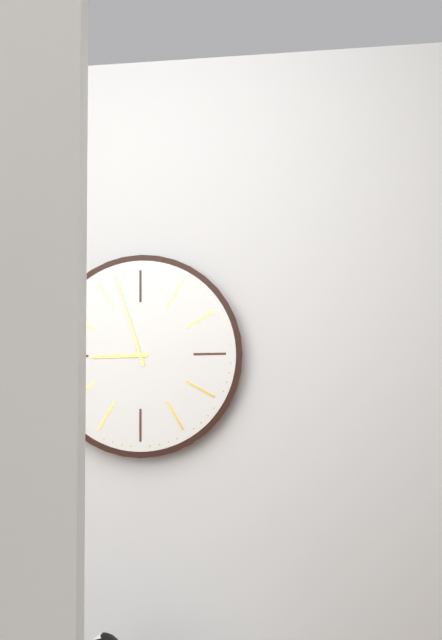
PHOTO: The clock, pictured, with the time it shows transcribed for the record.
8:57
